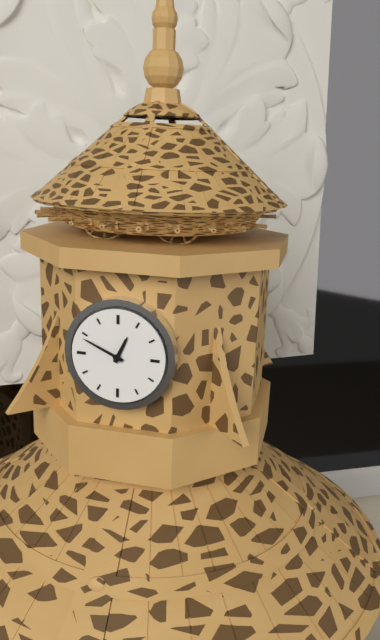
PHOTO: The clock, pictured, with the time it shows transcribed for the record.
12:49
